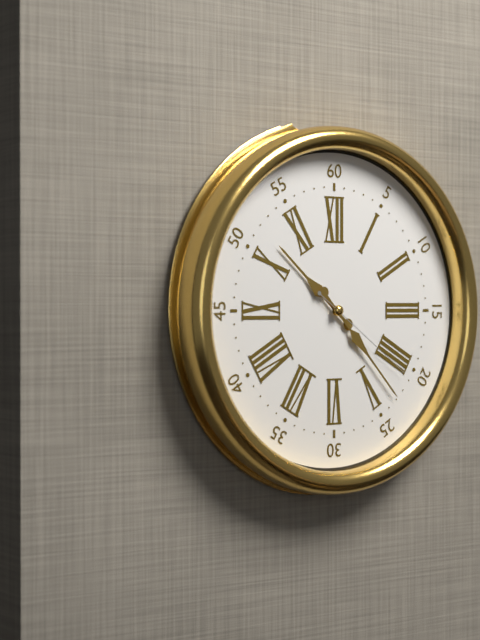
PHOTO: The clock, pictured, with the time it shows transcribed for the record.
10:23:21
